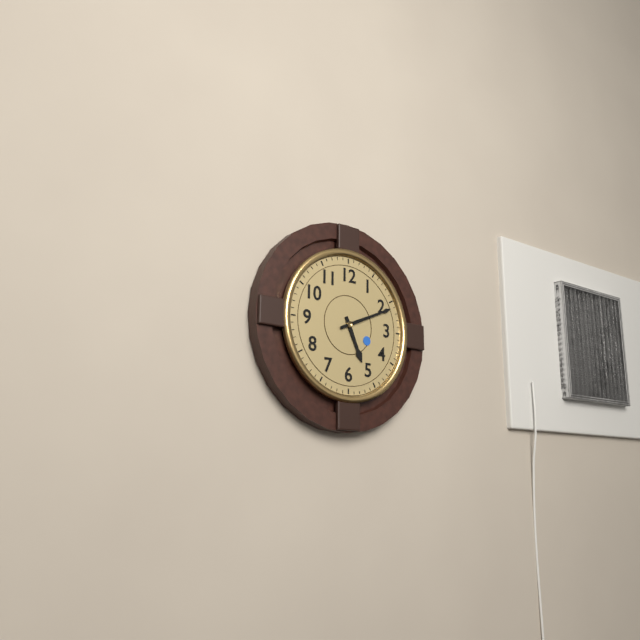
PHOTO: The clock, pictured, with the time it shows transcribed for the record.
5:11
